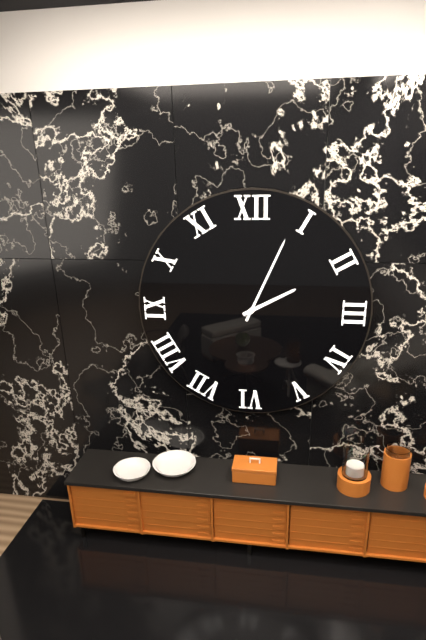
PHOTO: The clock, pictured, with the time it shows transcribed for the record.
2:04
